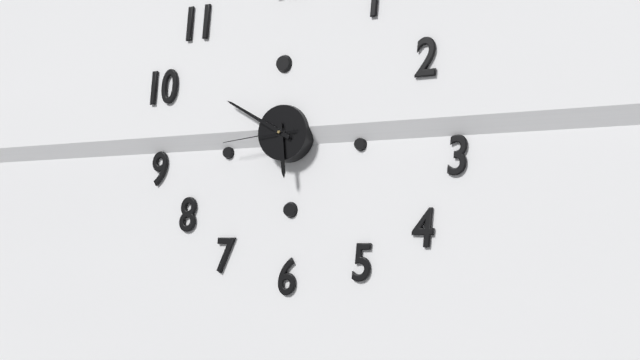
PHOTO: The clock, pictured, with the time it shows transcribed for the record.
5:50:44
